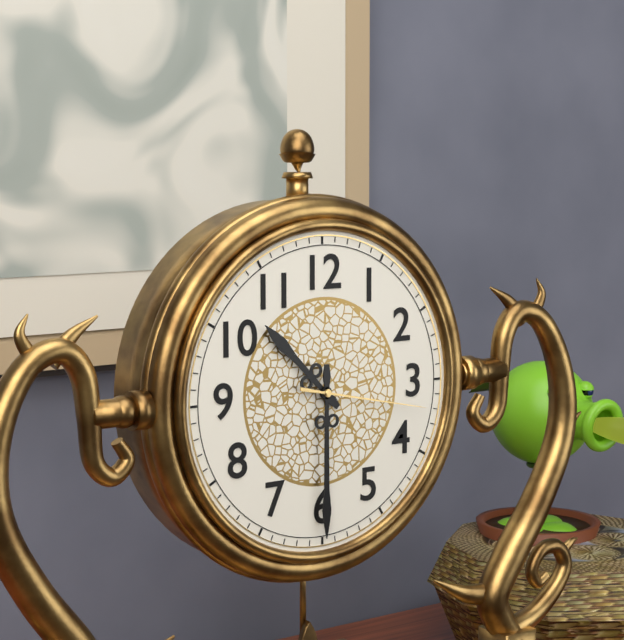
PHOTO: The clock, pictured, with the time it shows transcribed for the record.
10:30:17
